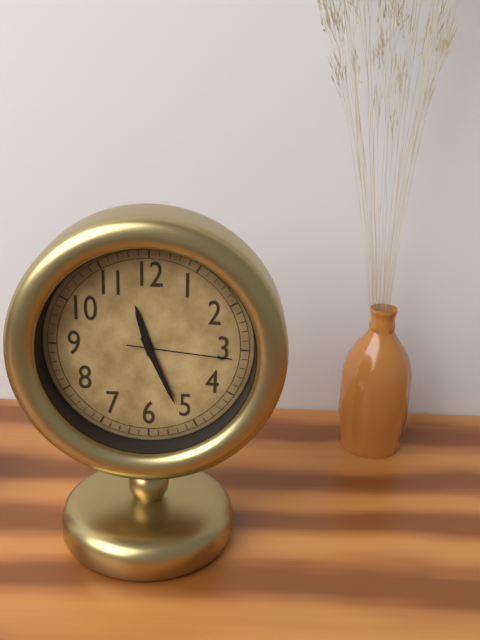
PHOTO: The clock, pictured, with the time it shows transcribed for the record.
11:26:16
